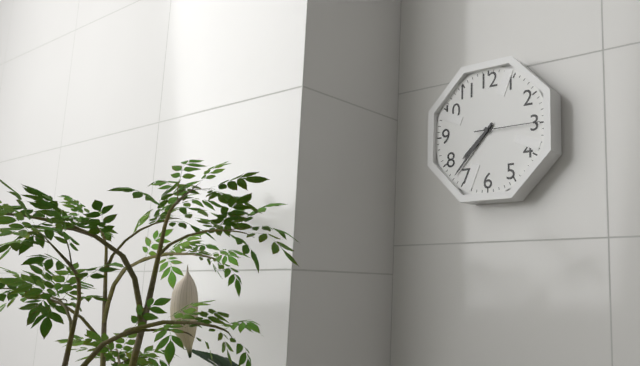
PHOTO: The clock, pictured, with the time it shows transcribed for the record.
7:37:15
